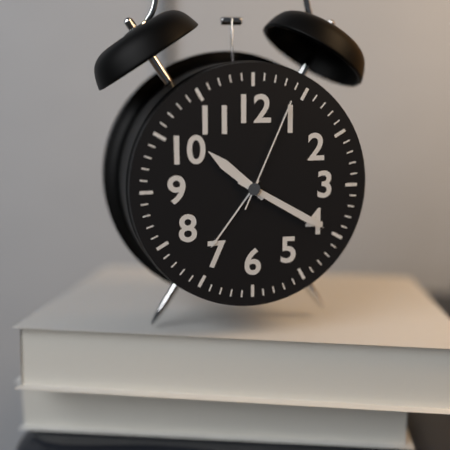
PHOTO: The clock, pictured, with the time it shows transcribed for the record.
10:20:04
